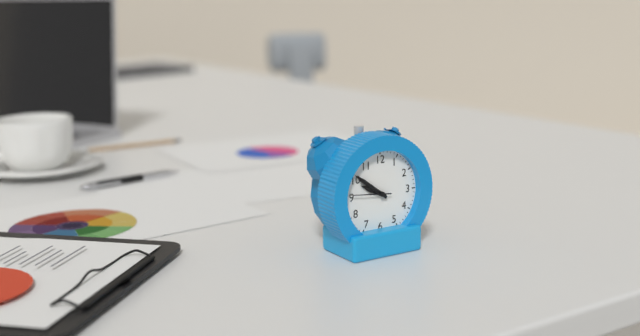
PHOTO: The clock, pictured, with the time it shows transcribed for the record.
9:51
